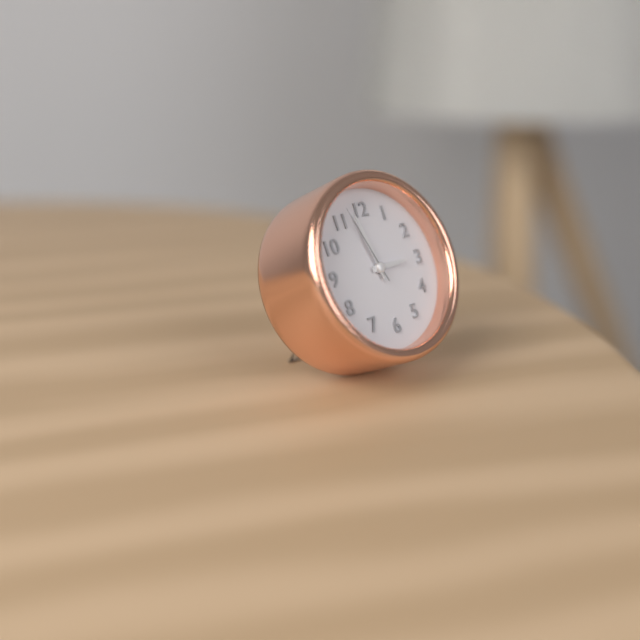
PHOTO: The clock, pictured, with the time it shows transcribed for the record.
2:58:57
